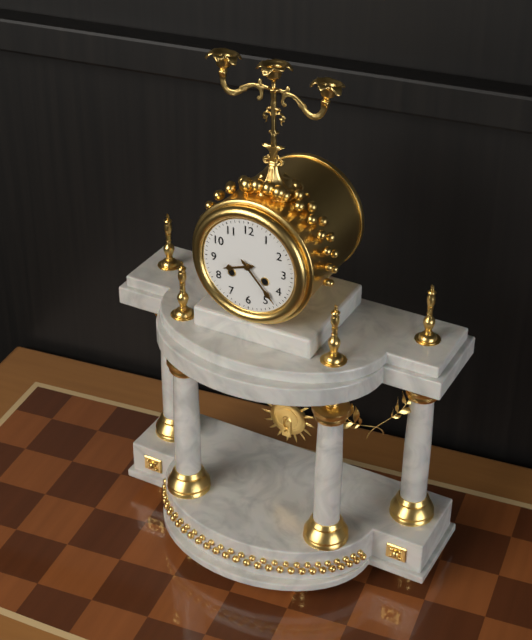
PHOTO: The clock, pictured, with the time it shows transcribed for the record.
8:23
